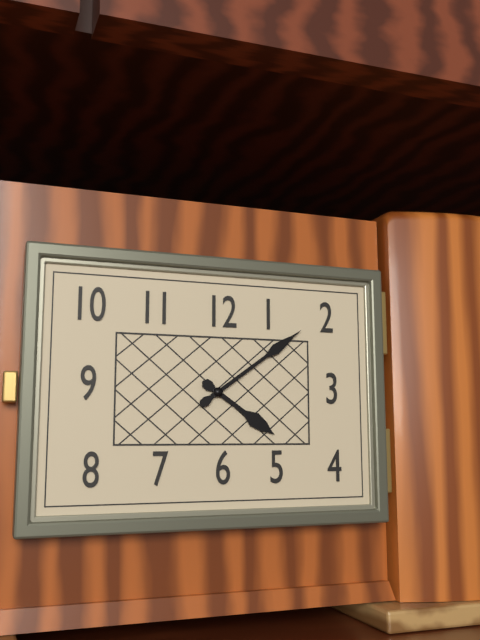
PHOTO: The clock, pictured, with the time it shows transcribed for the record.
4:09
